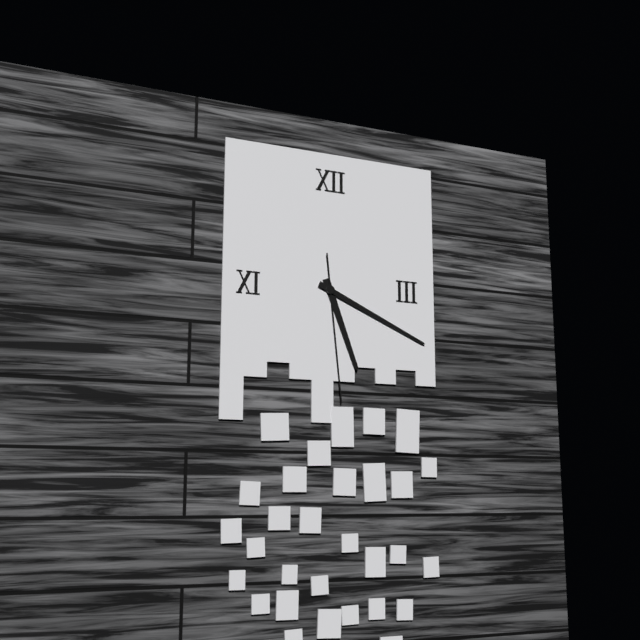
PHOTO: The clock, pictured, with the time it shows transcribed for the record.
5:19:29
